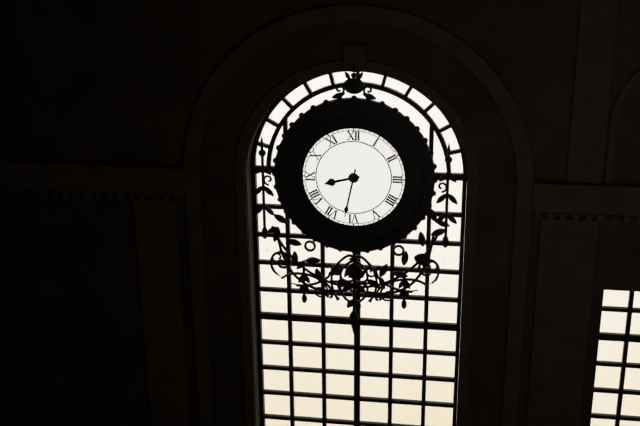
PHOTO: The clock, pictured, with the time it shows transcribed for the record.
8:32
